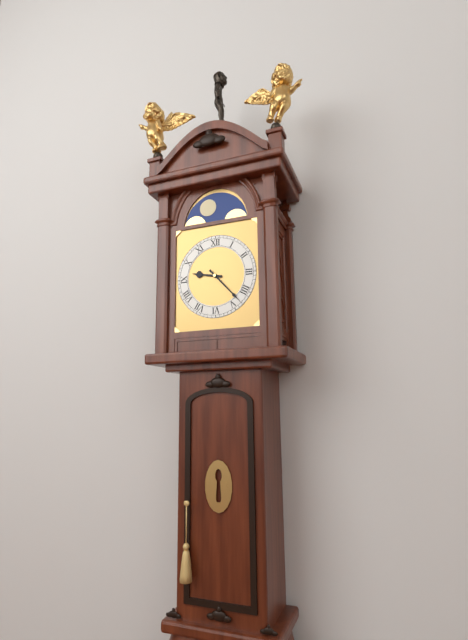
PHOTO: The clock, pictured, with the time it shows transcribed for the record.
9:23
